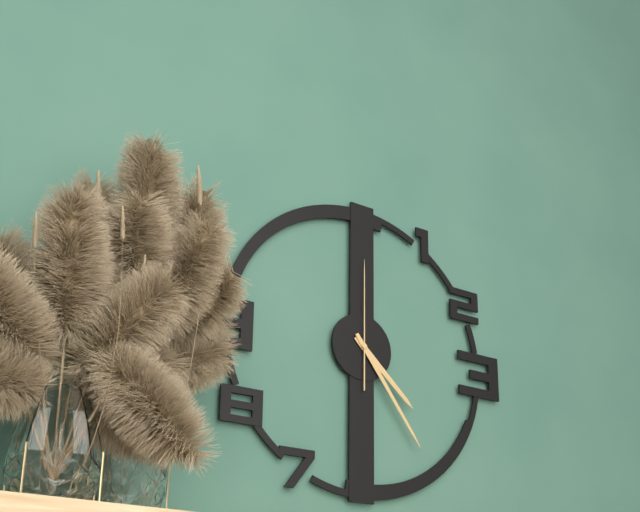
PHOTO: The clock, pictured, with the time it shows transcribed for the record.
4:24:00
